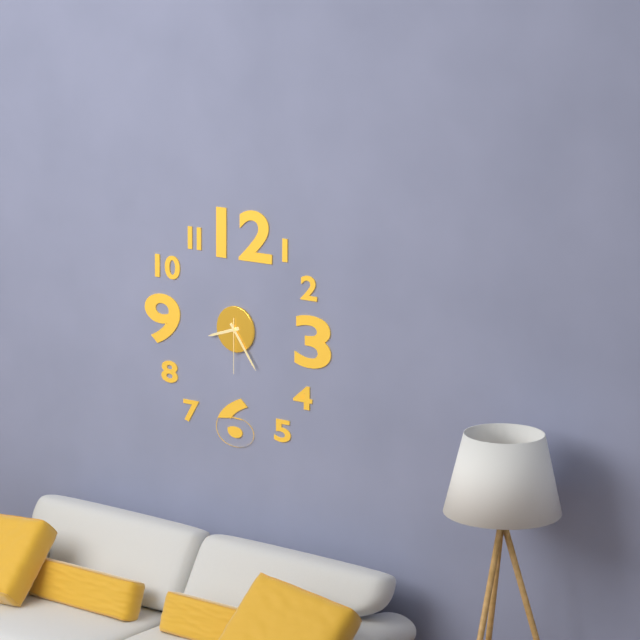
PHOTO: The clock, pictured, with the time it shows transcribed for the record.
8:24:30
